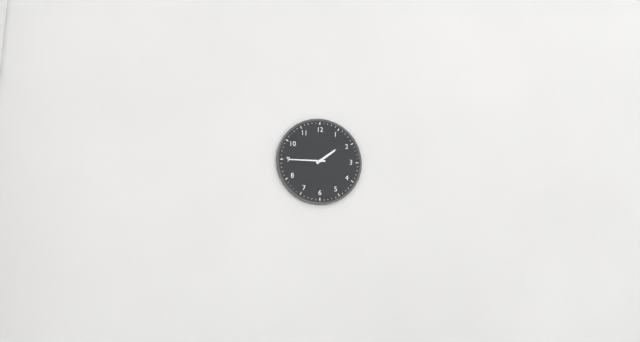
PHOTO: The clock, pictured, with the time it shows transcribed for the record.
1:45
